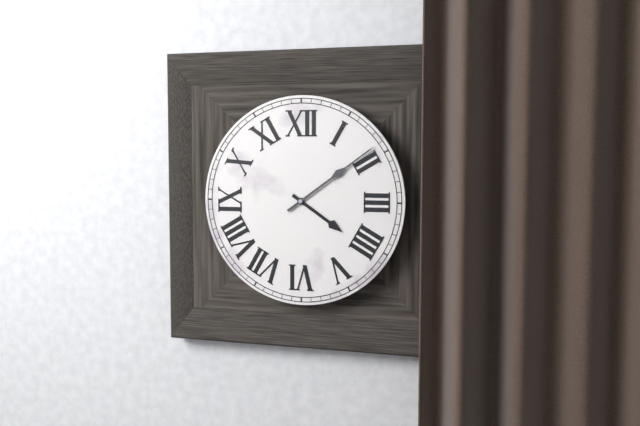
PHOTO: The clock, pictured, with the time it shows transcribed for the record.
4:09
